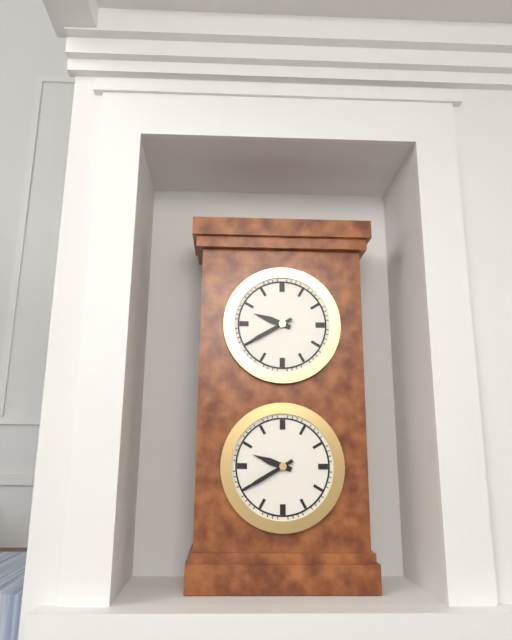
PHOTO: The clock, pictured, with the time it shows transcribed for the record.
9:40
